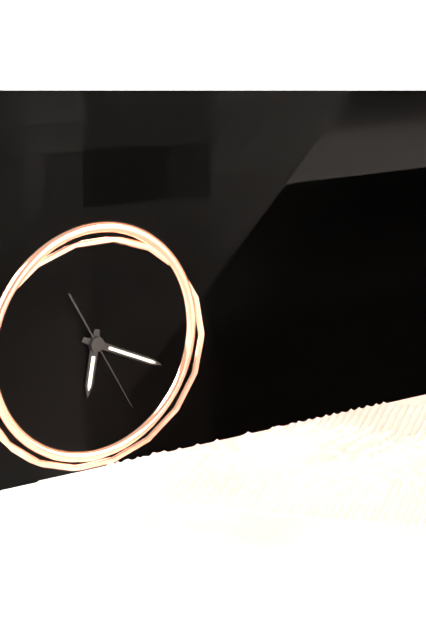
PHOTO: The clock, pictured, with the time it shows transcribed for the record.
6:19:25
